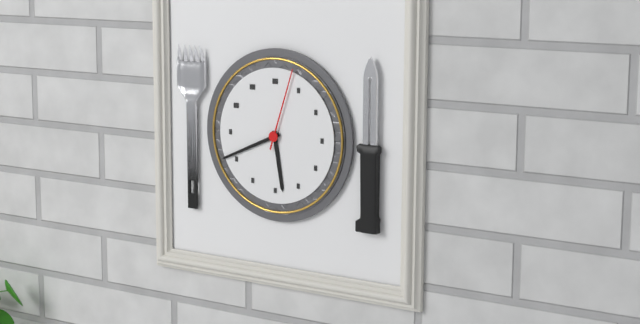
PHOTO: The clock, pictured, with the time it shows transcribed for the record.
5:41:03
